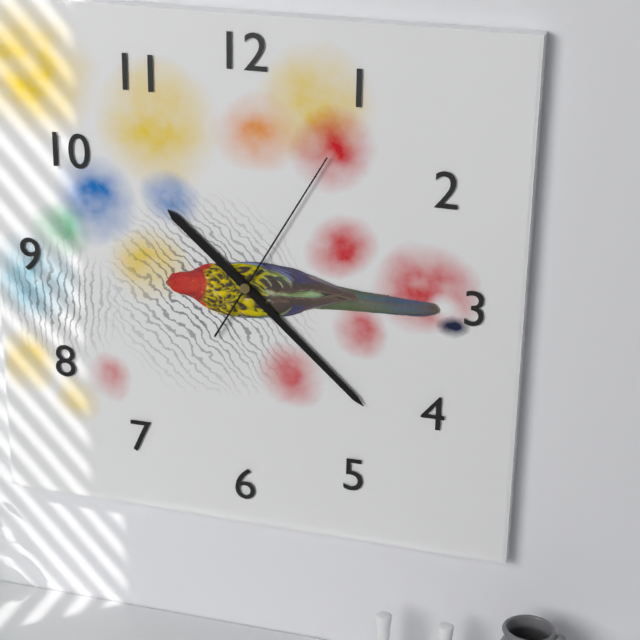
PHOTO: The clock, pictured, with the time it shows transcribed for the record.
10:22:05
